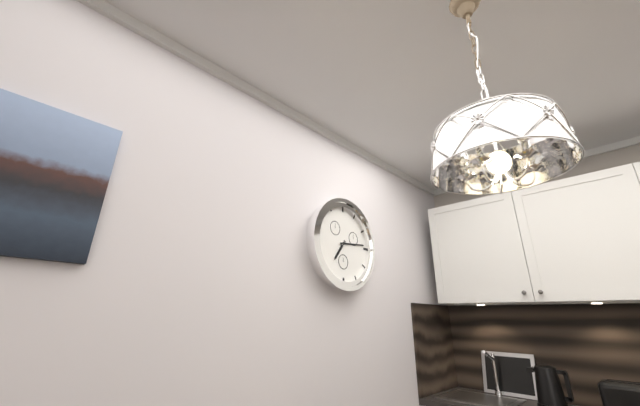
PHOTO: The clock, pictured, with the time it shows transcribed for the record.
7:14
